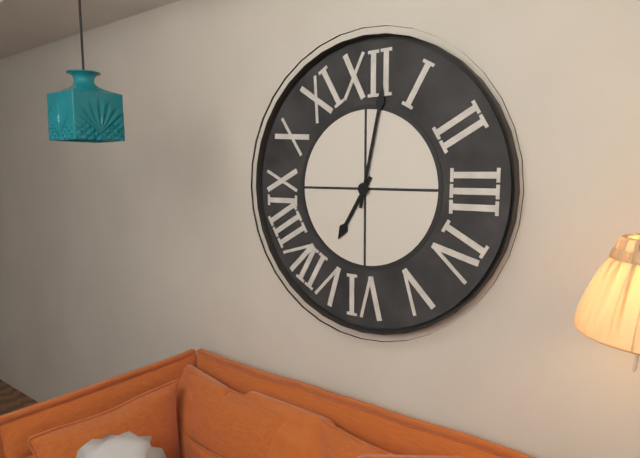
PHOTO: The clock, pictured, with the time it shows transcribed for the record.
7:02
